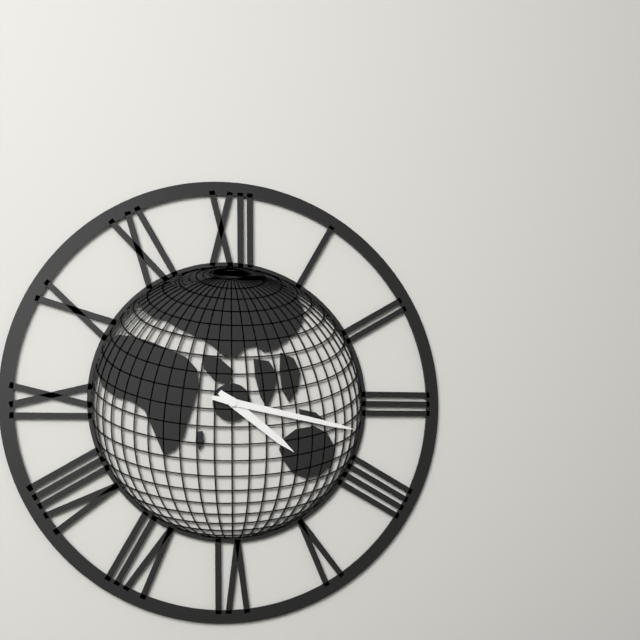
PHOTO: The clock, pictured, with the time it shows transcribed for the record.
4:17
